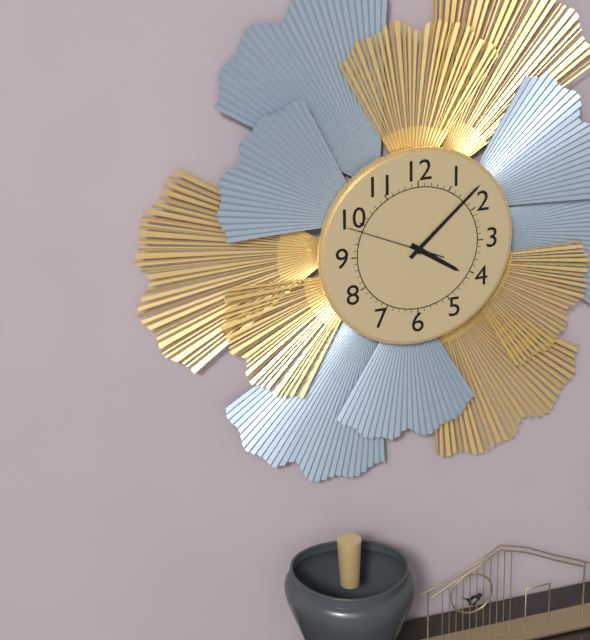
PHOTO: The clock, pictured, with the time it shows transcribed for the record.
4:08:49
